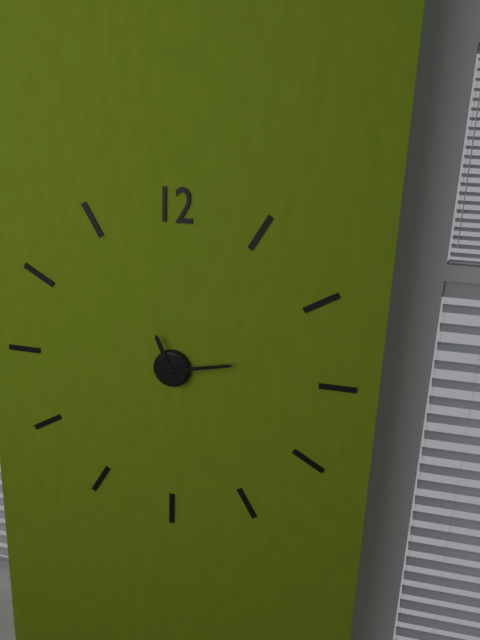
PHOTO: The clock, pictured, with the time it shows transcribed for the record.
11:13
